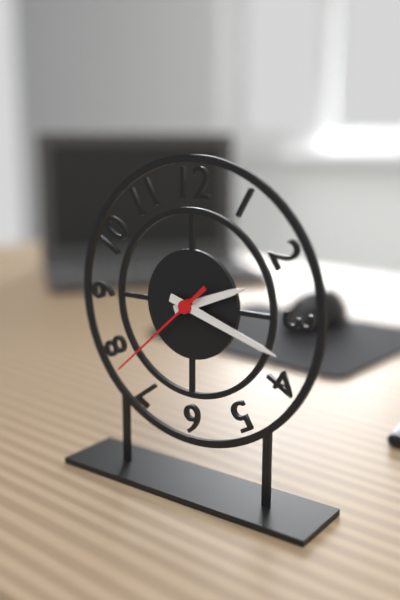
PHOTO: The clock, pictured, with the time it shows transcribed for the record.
2:18:38
